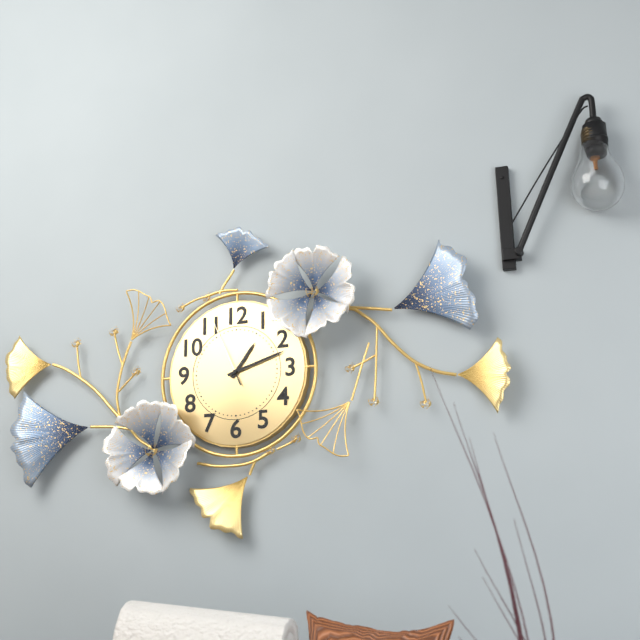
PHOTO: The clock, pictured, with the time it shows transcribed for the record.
1:12:56
